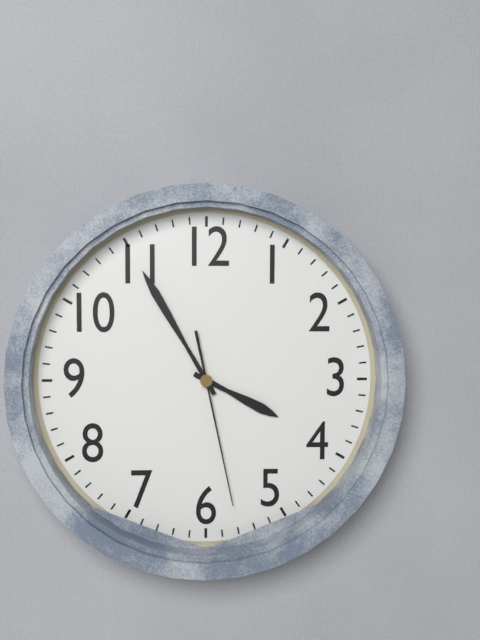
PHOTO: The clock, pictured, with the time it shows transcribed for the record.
3:55:28
